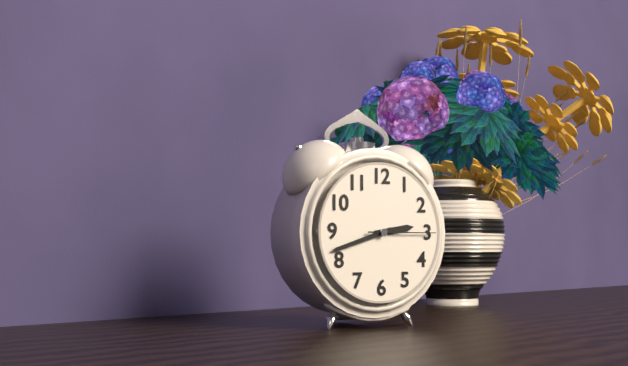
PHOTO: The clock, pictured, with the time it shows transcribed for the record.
2:42:15
